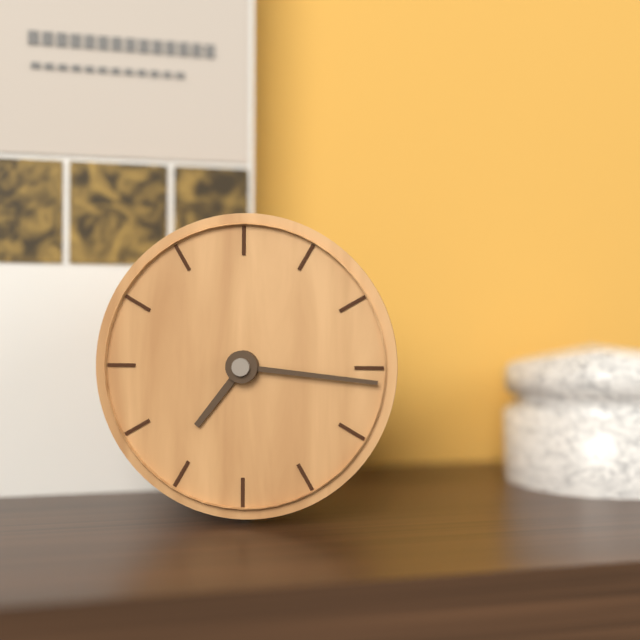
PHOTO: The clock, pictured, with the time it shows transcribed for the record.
7:16
